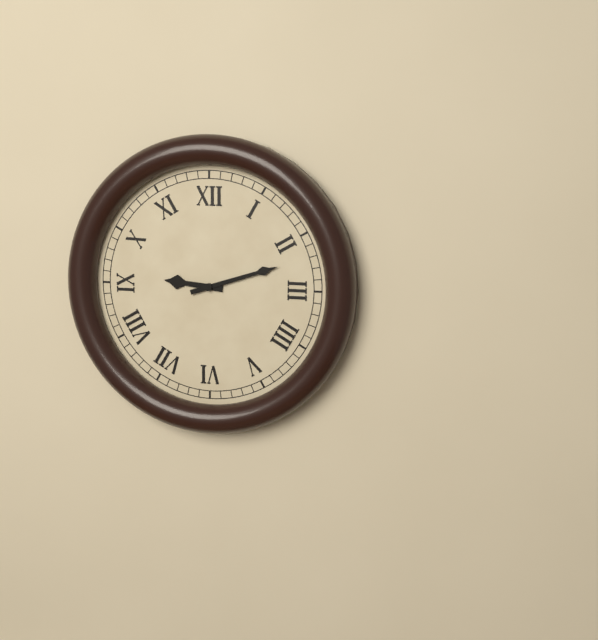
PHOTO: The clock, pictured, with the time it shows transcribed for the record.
9:12
